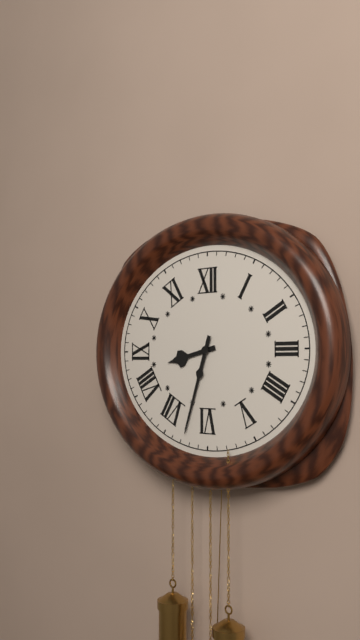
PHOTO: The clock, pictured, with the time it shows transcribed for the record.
8:33
